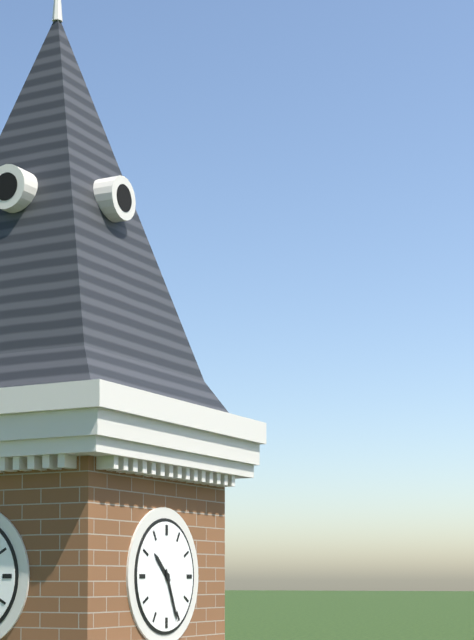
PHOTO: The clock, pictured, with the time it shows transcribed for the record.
10:26
